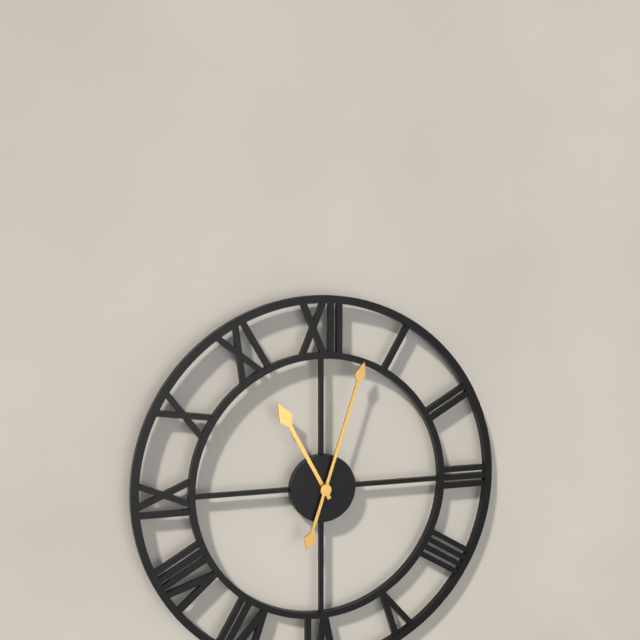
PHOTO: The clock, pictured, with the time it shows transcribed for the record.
11:03
